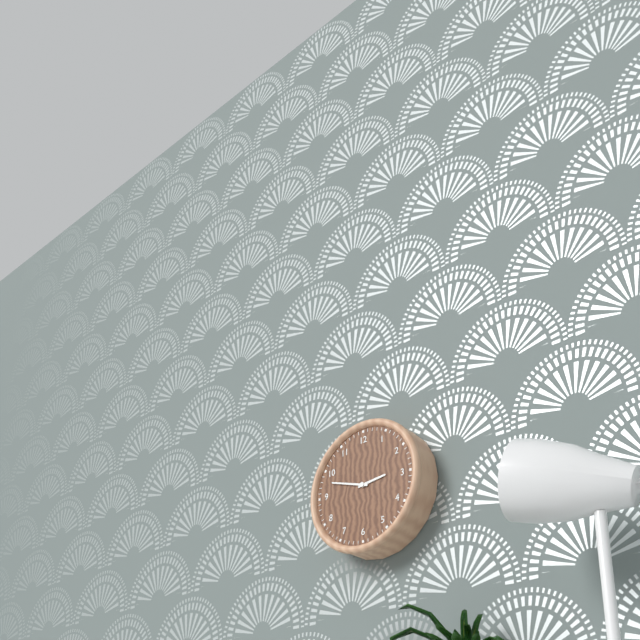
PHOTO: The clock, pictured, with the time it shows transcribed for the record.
2:48
